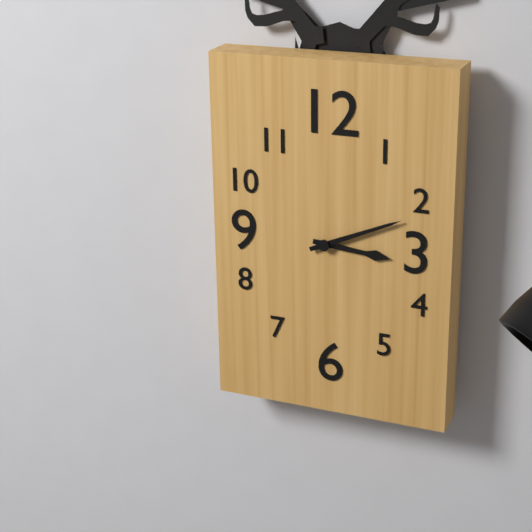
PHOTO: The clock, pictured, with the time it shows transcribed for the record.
3:11
